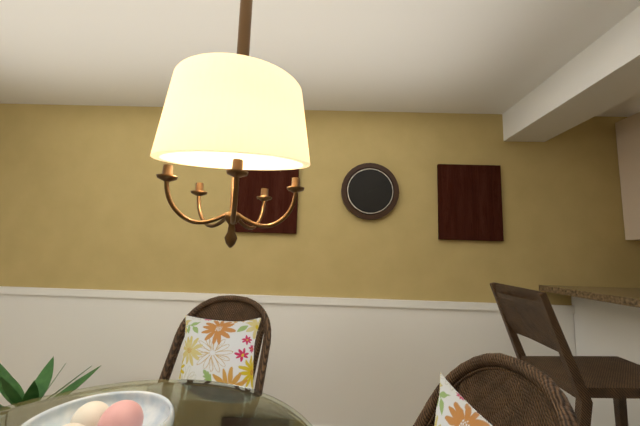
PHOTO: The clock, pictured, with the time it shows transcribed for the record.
2:11
